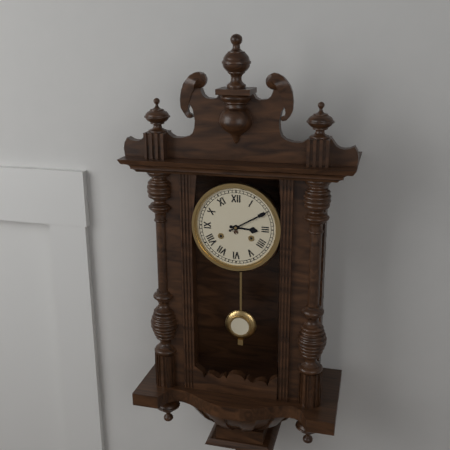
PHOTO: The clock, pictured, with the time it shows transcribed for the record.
3:10
